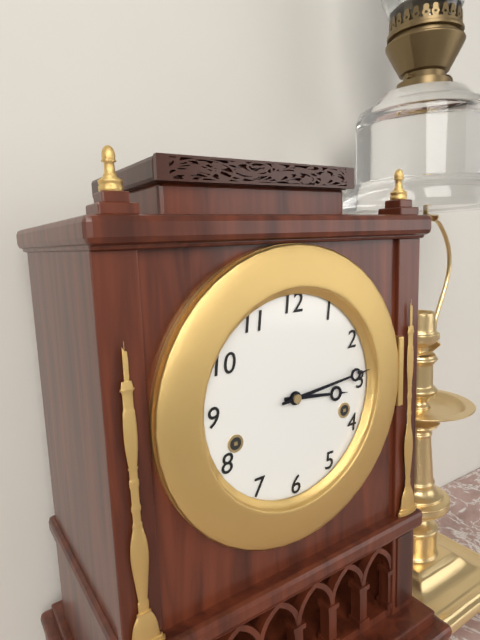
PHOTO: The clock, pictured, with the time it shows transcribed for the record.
3:14
